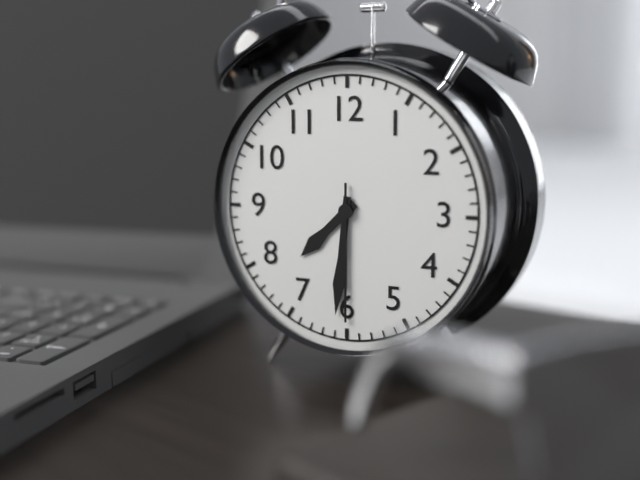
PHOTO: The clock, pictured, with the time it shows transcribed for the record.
7:31:30
